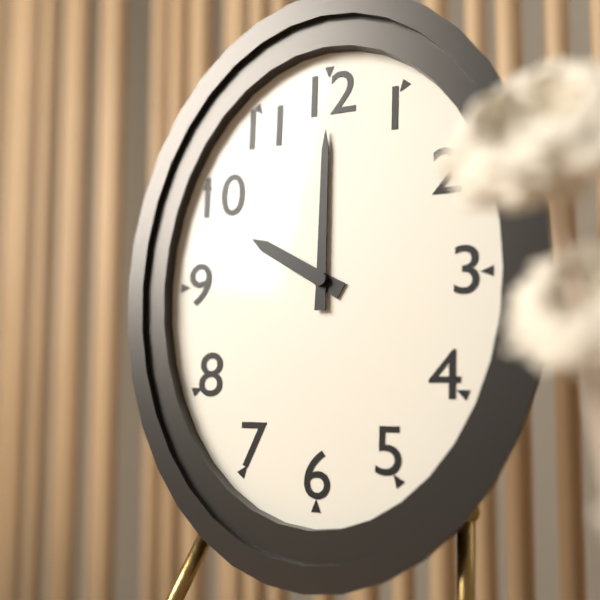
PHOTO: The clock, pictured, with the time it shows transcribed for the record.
10:00
